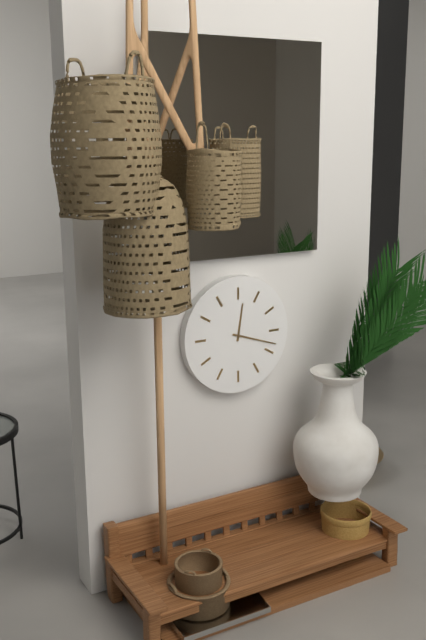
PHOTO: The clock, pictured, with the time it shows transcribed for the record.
12:18
